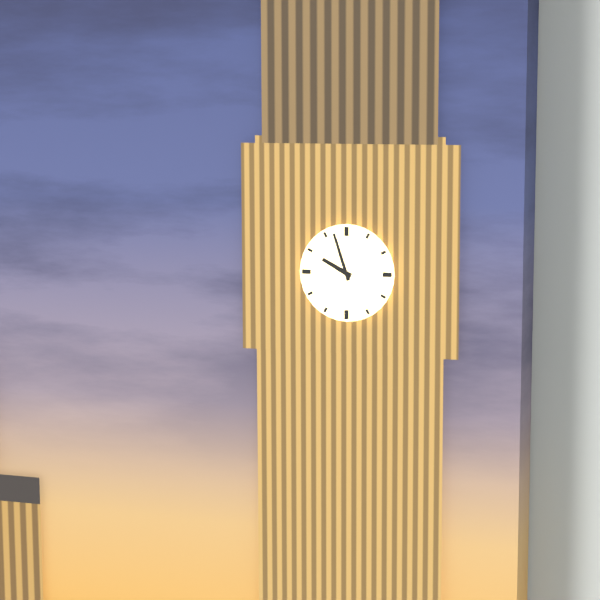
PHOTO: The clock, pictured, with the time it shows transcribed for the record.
9:57
